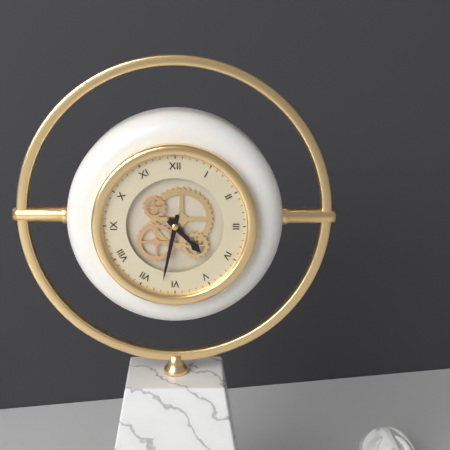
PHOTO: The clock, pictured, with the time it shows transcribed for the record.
4:32
